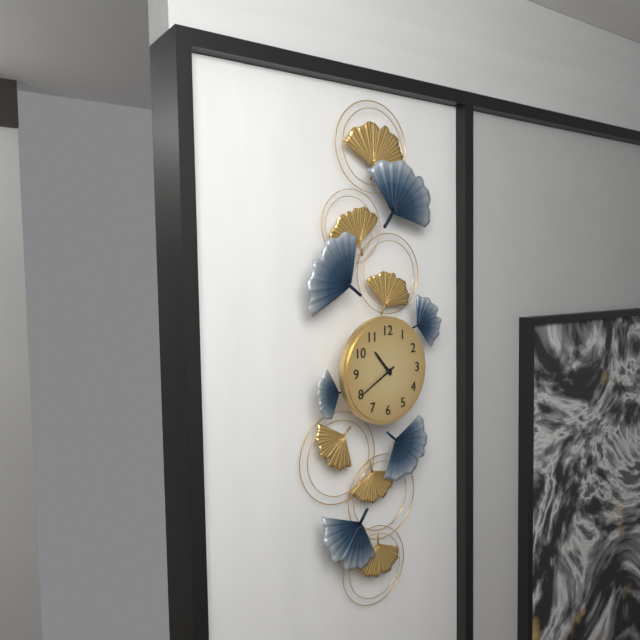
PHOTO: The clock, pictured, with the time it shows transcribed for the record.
10:40
